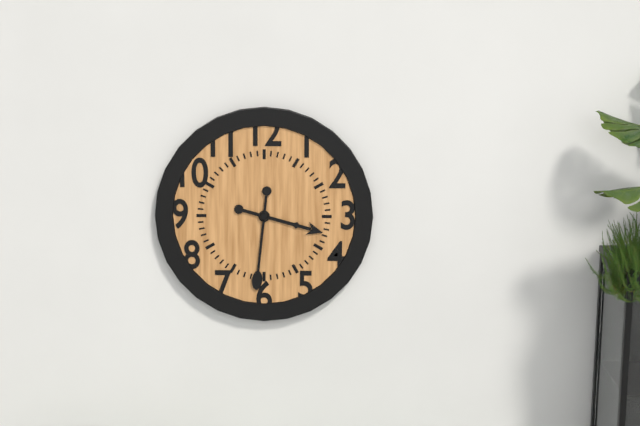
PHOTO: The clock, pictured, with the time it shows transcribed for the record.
3:31
